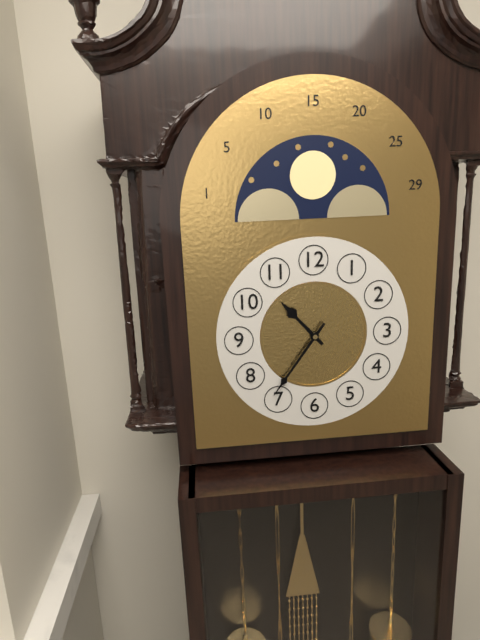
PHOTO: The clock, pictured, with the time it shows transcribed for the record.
10:36
